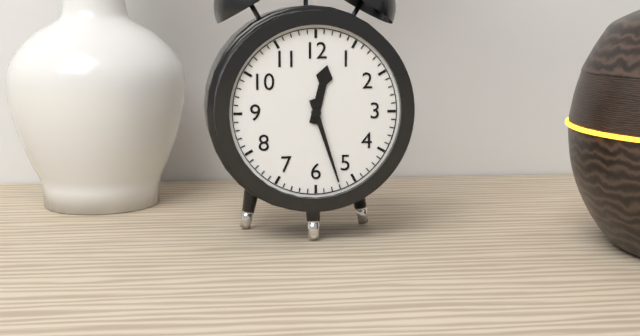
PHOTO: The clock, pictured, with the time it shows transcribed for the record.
12:27
